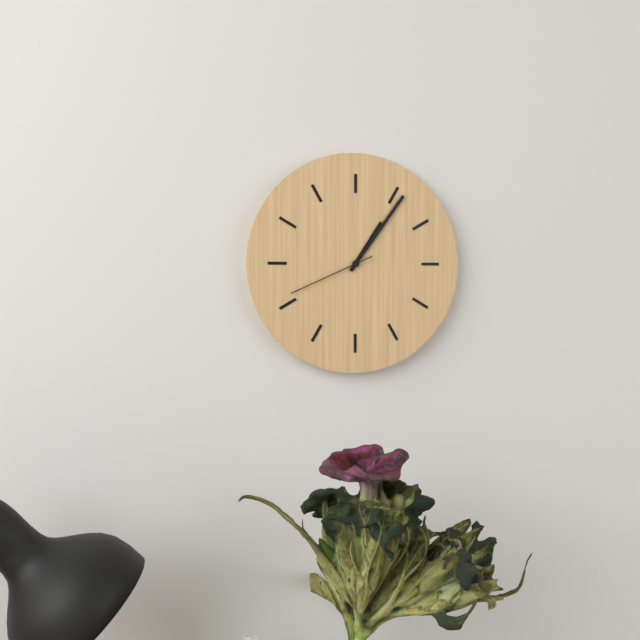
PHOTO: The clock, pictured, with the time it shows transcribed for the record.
1:06:41
